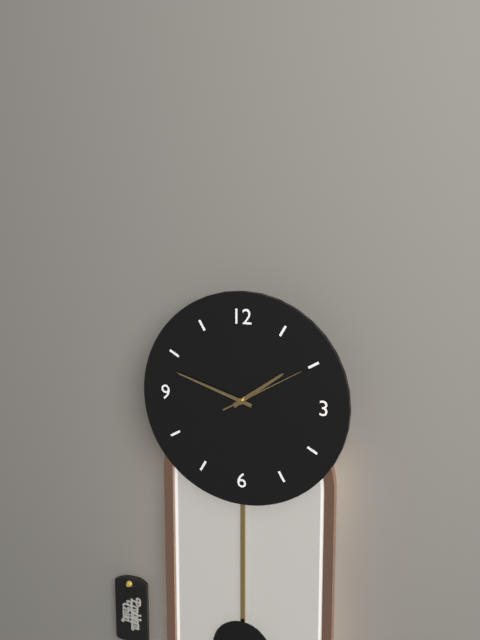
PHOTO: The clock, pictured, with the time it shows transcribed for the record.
1:48:10
